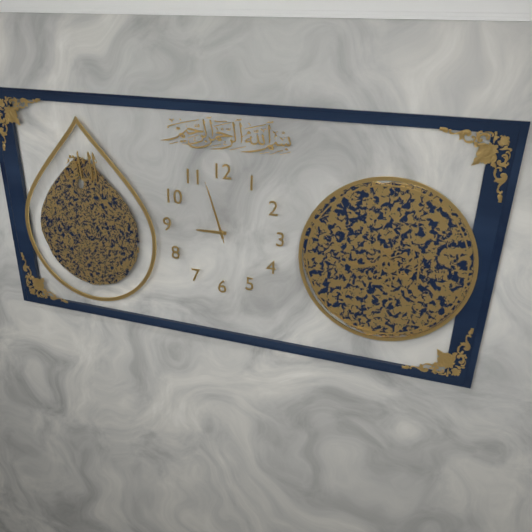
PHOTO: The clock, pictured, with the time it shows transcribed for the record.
8:57:57
